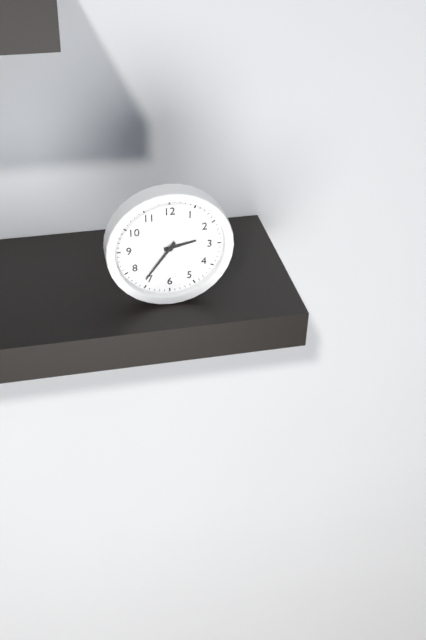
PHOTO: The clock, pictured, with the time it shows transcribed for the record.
2:36
